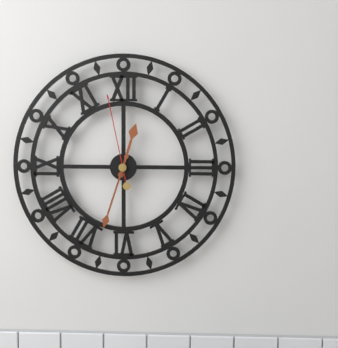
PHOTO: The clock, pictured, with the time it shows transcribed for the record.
12:33:58
